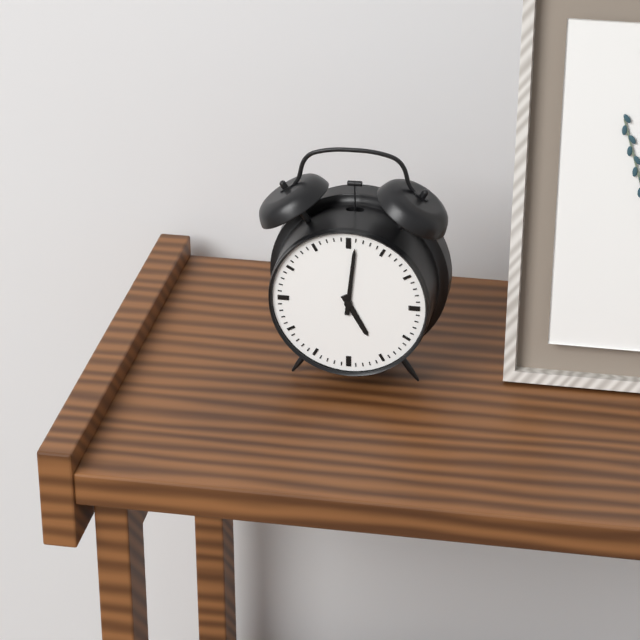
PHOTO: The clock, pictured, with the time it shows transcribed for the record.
5:01
